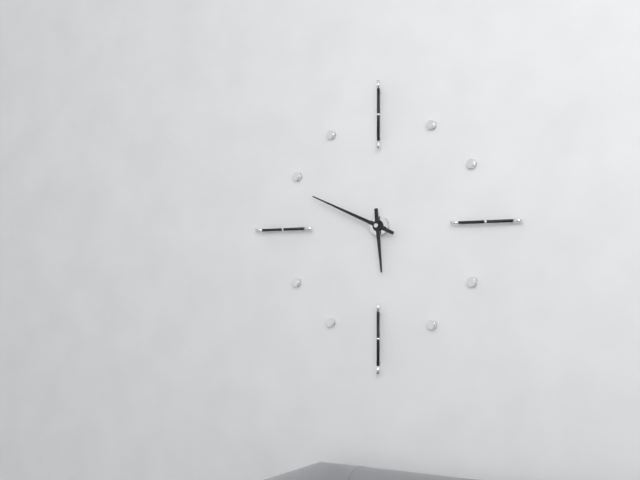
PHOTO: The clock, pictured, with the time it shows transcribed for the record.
5:49
